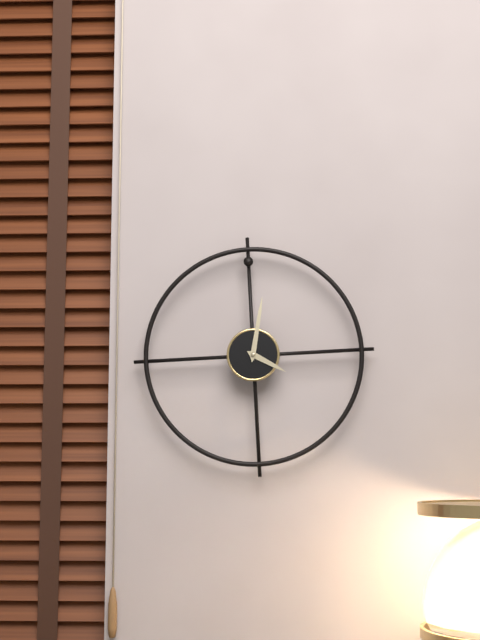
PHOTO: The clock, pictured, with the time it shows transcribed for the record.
4:02
